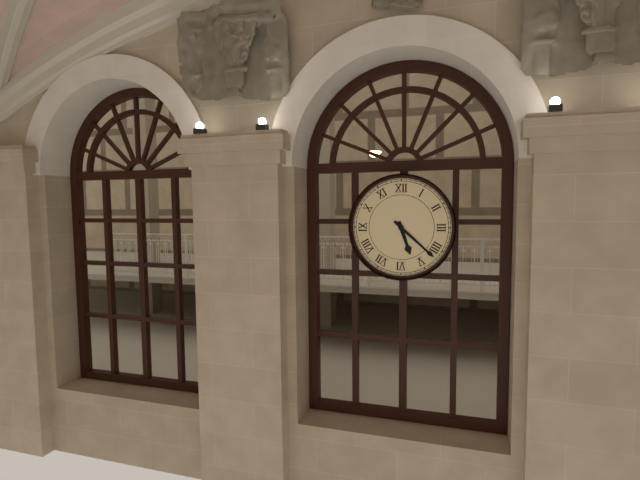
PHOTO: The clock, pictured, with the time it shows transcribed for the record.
5:22
